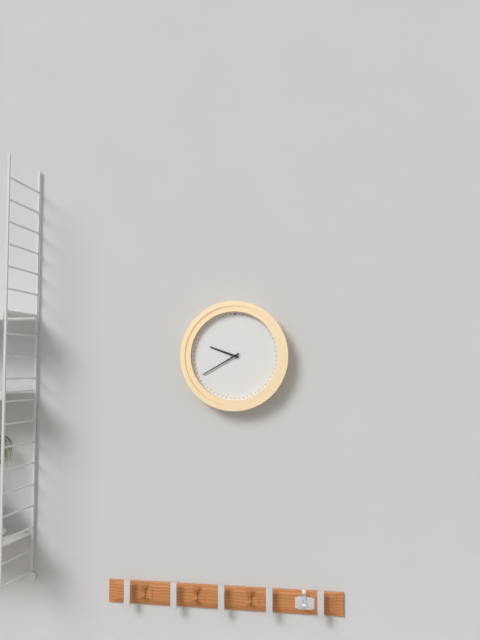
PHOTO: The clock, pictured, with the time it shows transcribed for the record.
9:40
